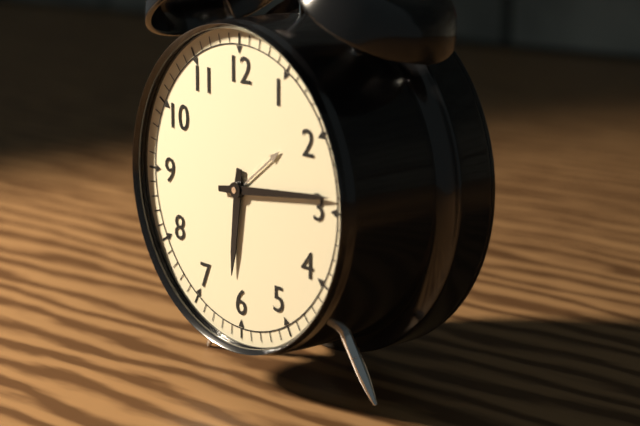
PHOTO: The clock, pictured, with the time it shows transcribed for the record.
6:14
